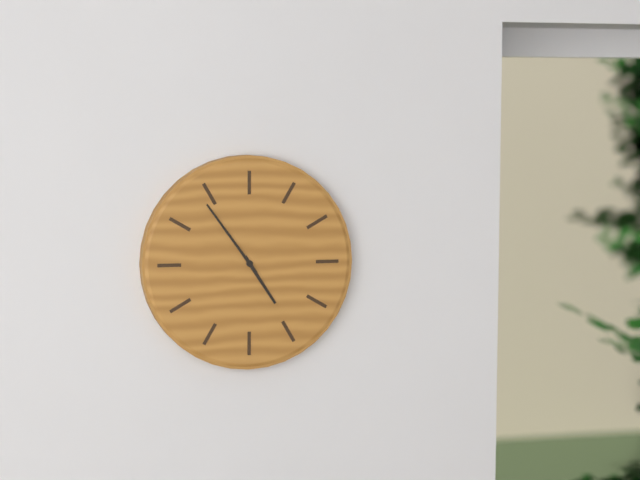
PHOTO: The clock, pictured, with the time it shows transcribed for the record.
4:54
